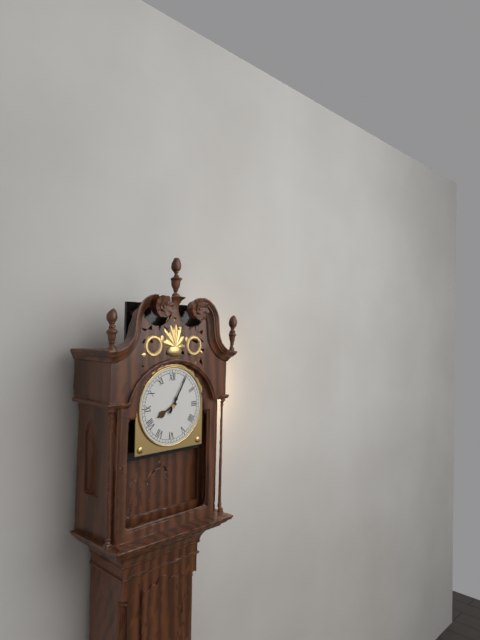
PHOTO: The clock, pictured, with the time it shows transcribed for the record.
8:05
